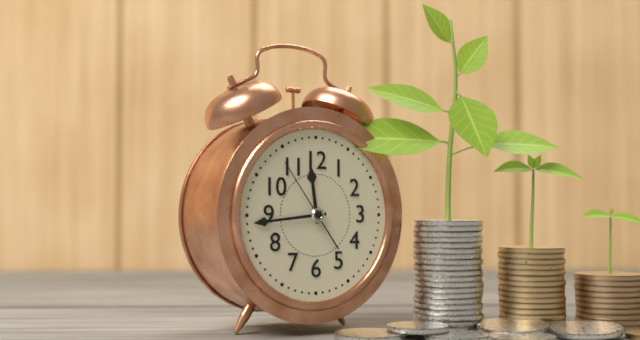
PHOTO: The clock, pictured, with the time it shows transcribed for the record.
11:44:54
